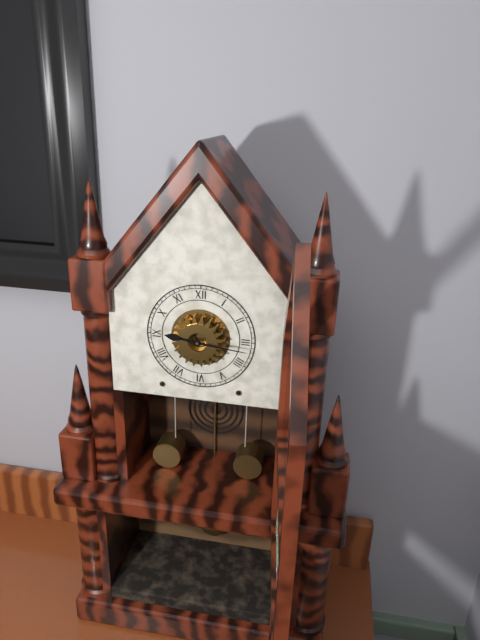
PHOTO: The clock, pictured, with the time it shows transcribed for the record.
9:16
